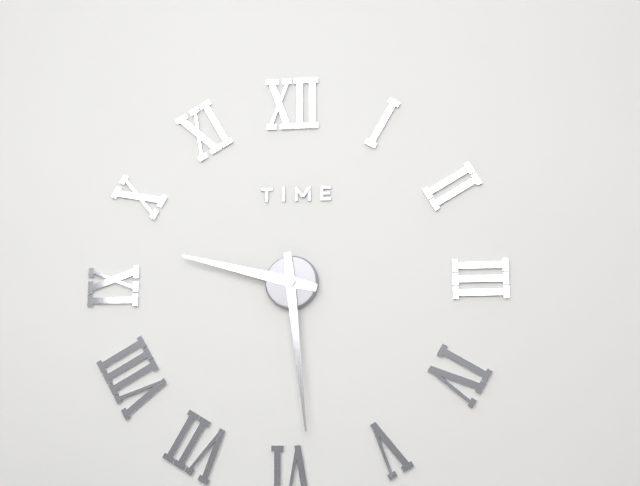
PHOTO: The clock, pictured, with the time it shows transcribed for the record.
9:29
